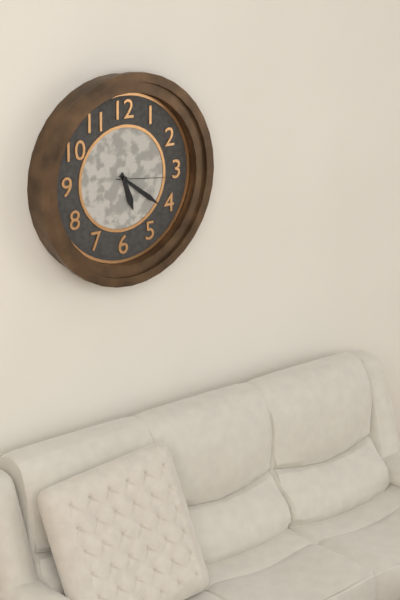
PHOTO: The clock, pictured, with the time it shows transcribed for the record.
5:21:16
